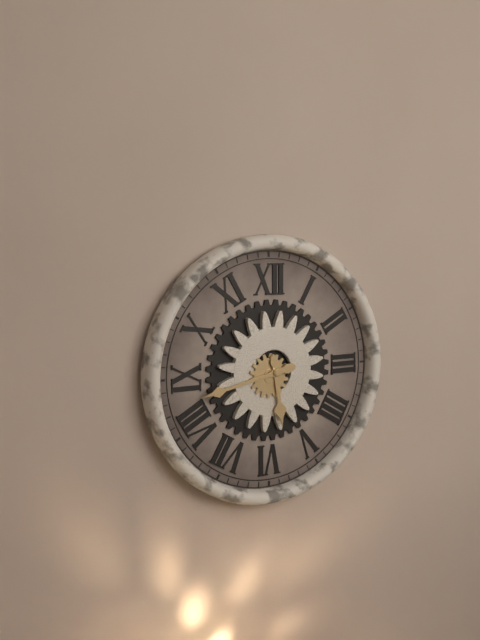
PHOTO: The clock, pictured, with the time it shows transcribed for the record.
5:43
